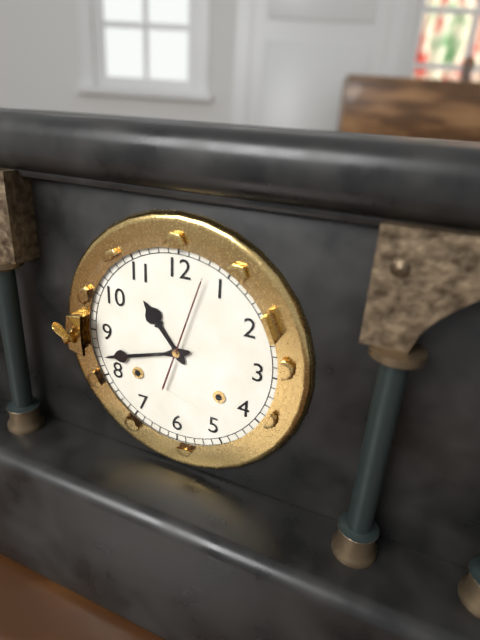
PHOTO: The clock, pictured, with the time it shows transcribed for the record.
10:42:03
